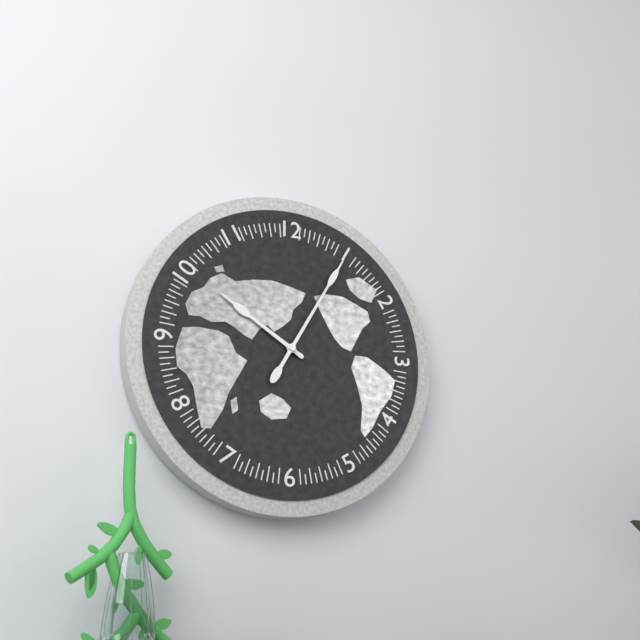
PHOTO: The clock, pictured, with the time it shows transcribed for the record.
10:05
